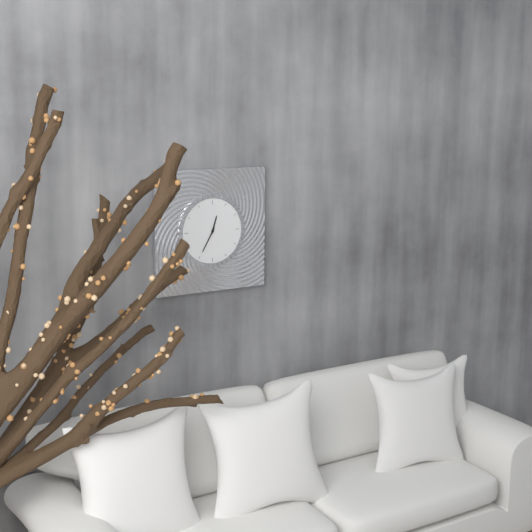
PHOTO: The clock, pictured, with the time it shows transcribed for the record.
12:35
